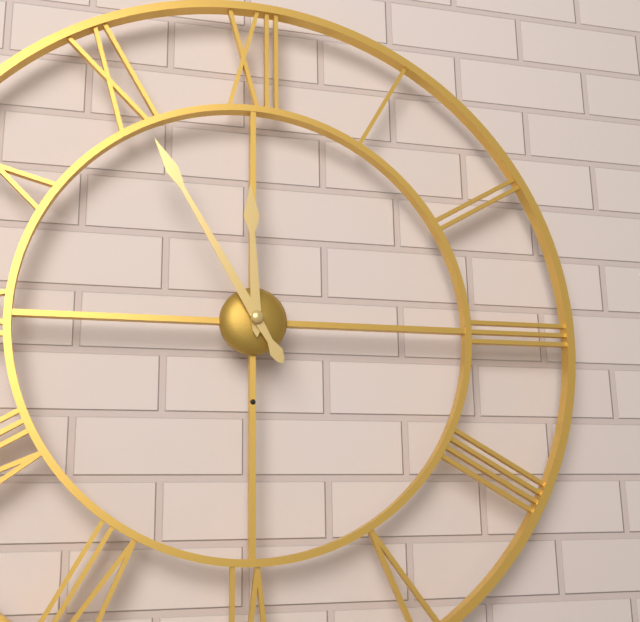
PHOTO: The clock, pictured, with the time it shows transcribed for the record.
11:55
